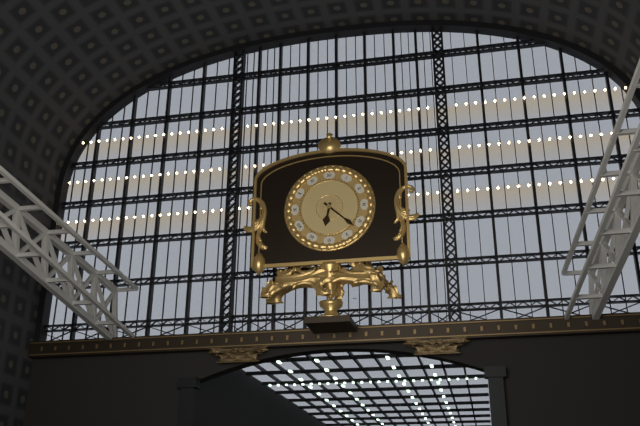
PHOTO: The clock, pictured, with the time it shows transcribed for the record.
6:22
